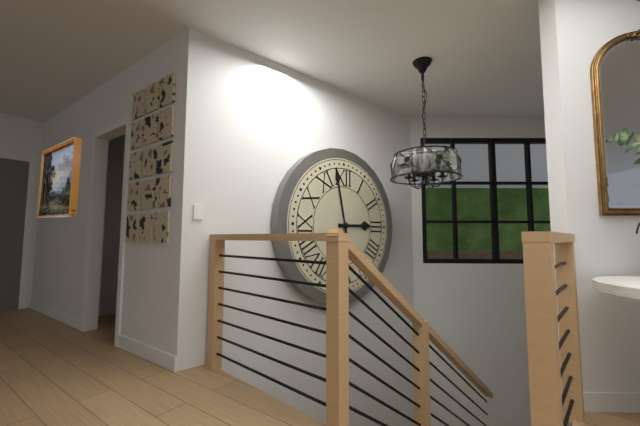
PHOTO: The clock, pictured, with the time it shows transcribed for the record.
2:58
